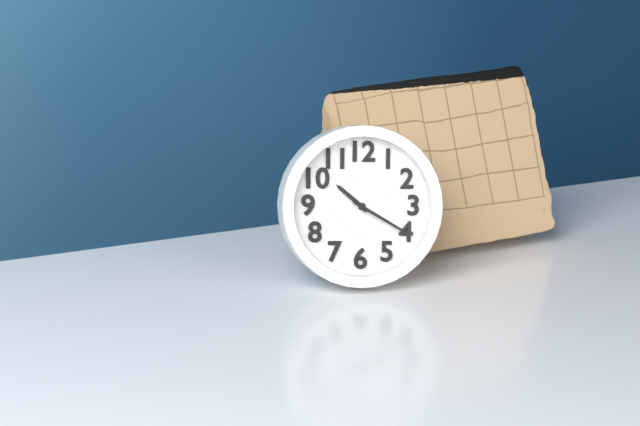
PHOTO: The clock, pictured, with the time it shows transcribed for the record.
10:20
